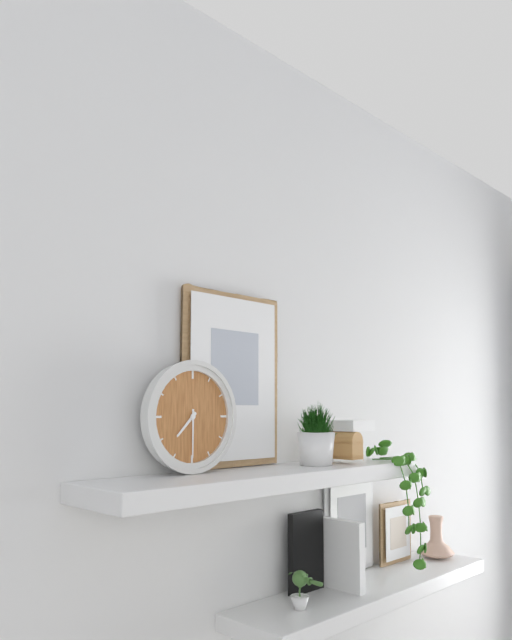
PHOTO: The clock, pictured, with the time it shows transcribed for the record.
7:30
